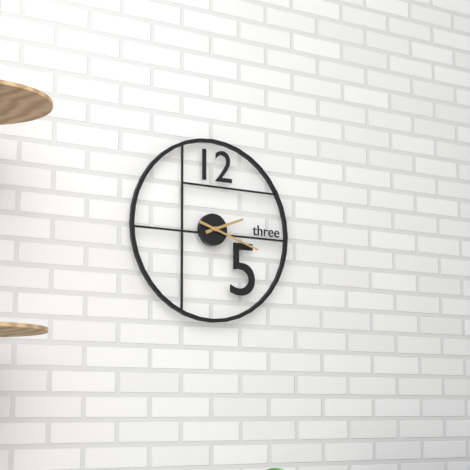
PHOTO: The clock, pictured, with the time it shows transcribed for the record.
2:18
